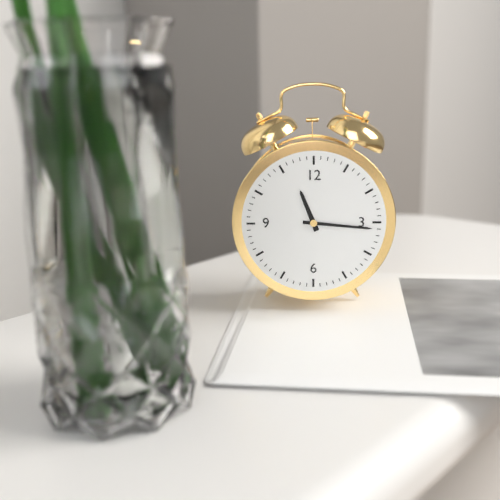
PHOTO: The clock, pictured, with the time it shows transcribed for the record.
11:16
